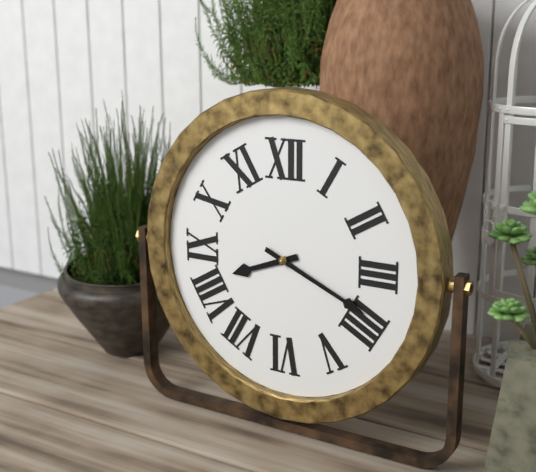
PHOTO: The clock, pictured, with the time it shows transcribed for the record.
8:19
